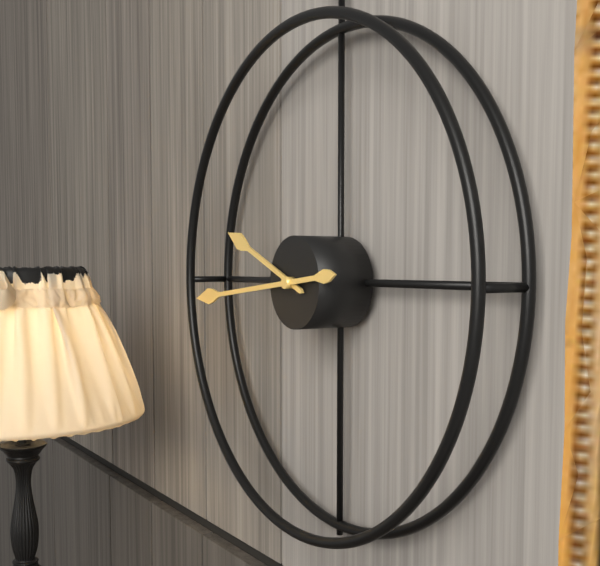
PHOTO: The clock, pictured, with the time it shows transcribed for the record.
9:44
